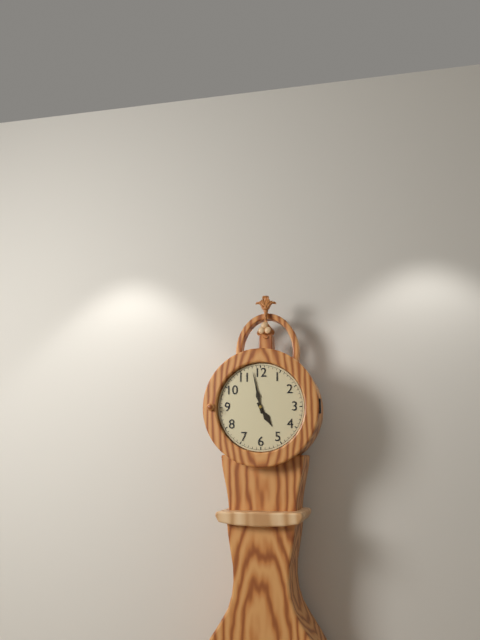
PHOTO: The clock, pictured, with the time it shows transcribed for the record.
4:58
